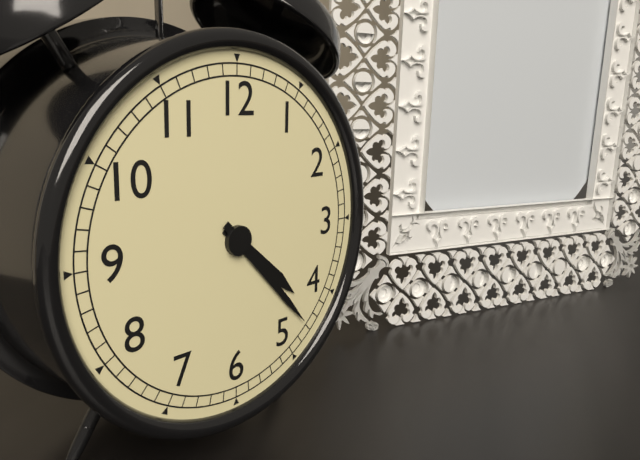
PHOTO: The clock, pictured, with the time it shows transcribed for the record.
4:23
